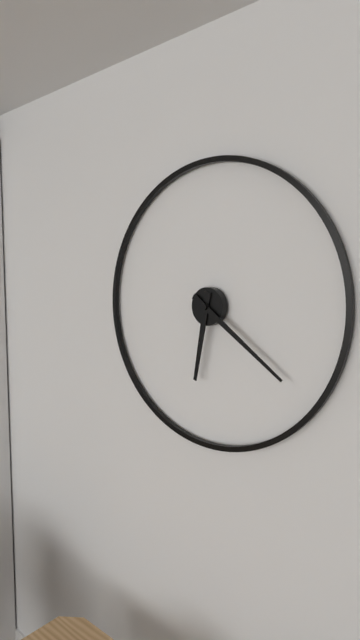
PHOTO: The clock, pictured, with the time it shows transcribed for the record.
6:21
